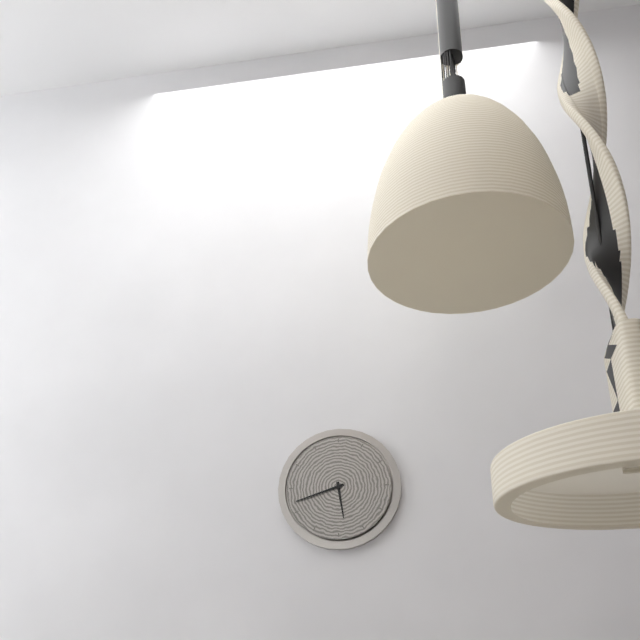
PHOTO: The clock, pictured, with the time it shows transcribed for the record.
5:42
